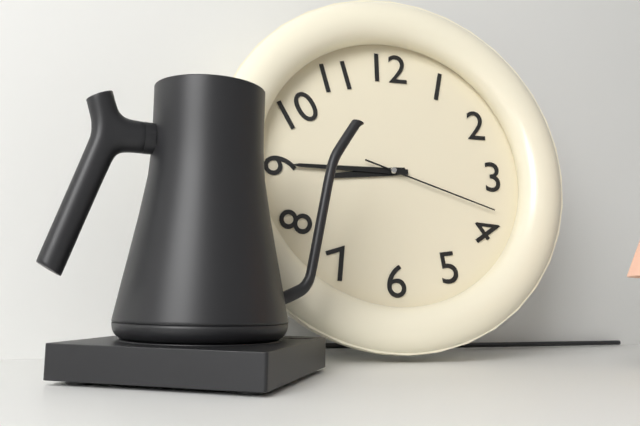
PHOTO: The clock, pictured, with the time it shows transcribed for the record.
8:45:18
